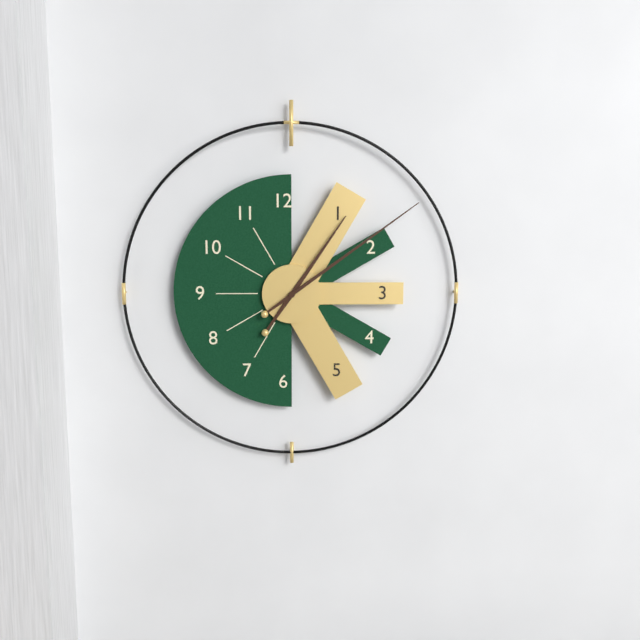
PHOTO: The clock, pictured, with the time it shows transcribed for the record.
1:09
